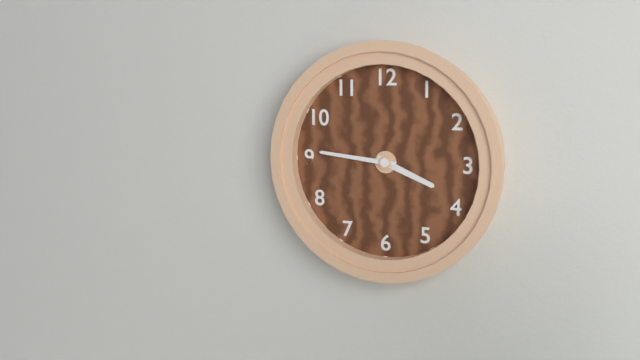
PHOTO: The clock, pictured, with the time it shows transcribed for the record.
3:46
